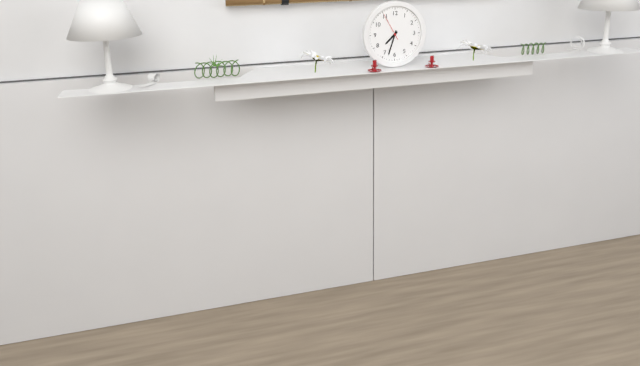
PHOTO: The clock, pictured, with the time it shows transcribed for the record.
7:33
